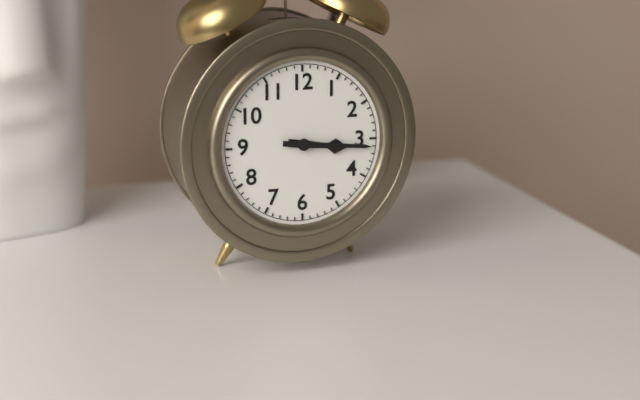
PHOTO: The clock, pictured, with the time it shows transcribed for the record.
3:16
